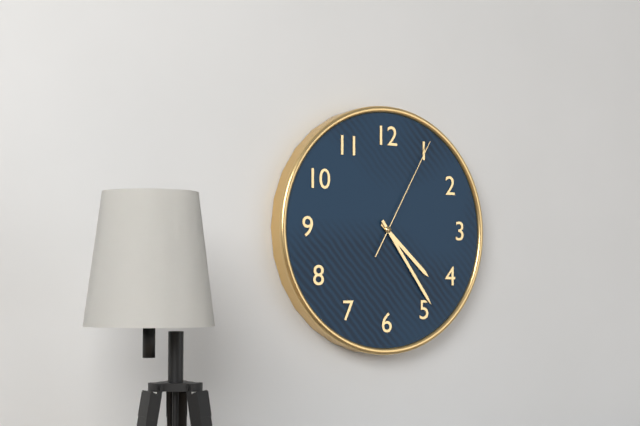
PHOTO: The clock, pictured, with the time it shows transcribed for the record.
4:24:05
